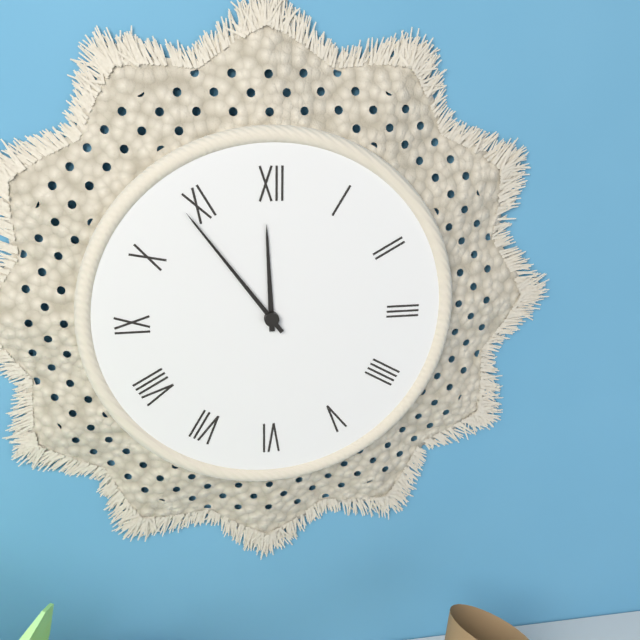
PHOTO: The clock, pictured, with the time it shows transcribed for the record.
11:54
